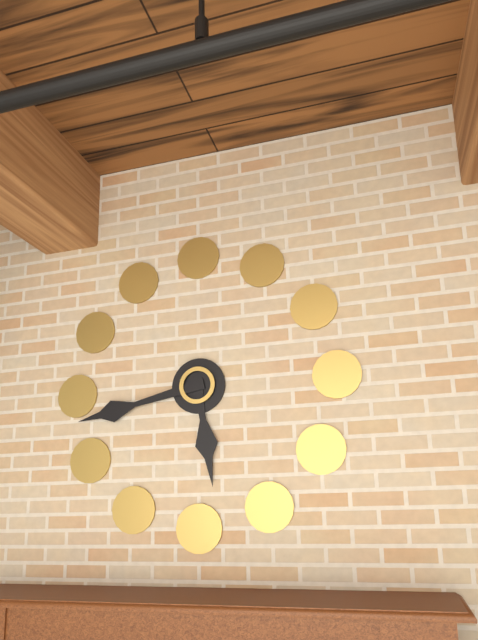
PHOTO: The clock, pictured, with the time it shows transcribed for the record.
5:43
